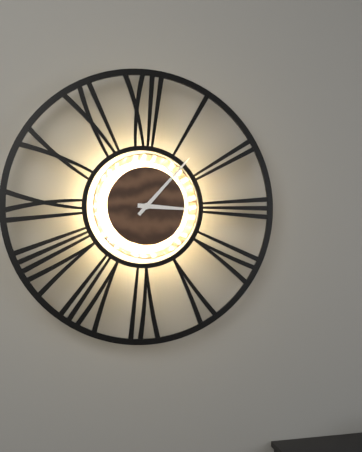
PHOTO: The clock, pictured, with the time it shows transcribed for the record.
3:07
